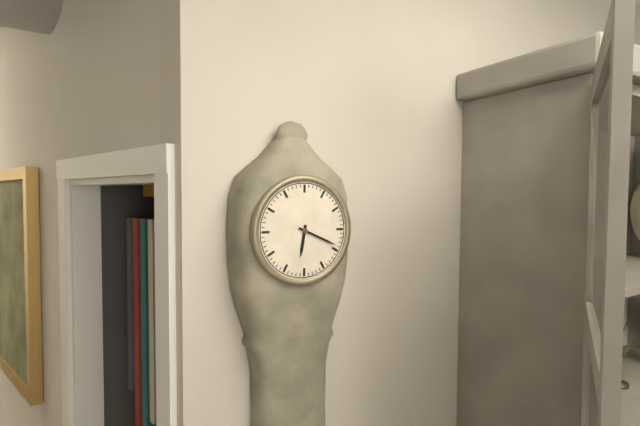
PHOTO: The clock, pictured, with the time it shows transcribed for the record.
6:19
